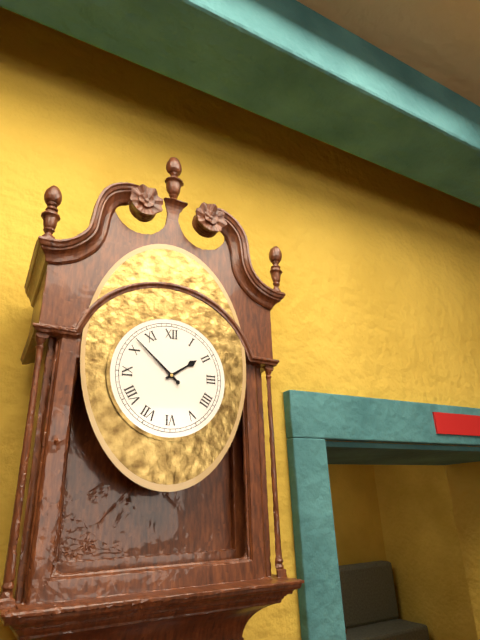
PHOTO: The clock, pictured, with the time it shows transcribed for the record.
1:52
